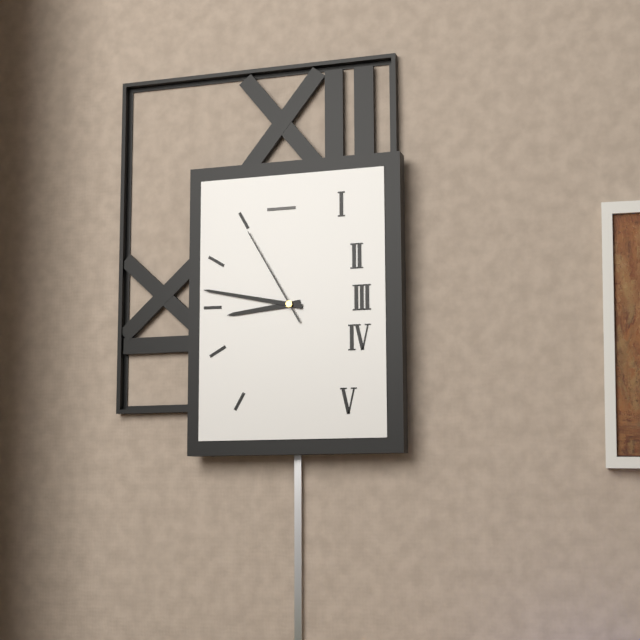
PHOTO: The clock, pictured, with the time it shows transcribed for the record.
8:47:55
